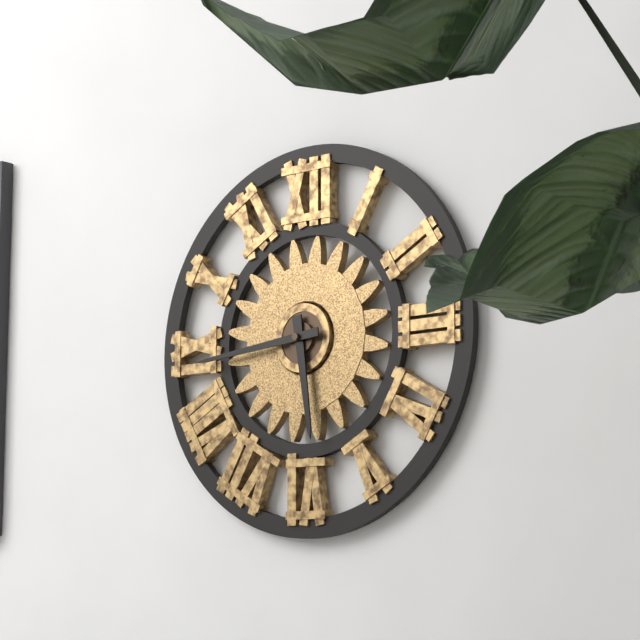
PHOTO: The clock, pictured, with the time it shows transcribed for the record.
5:44
